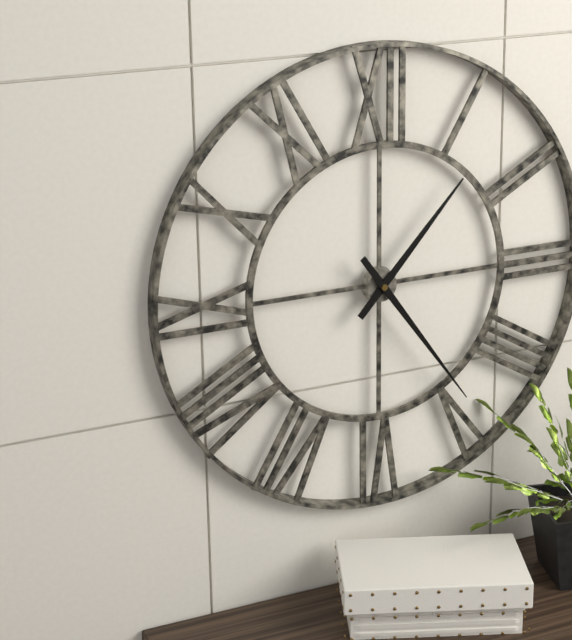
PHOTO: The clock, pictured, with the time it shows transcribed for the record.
1:24
